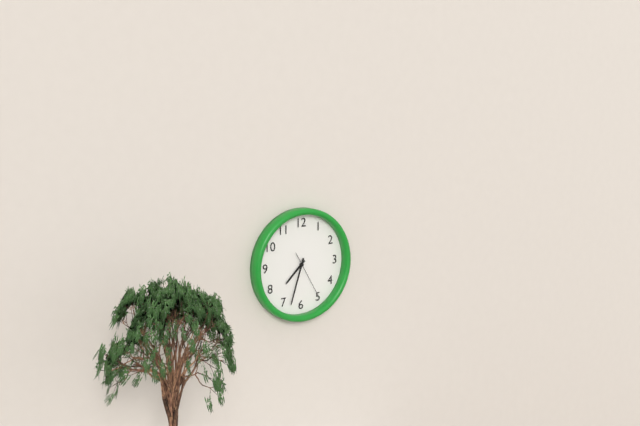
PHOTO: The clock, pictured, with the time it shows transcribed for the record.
7:33
